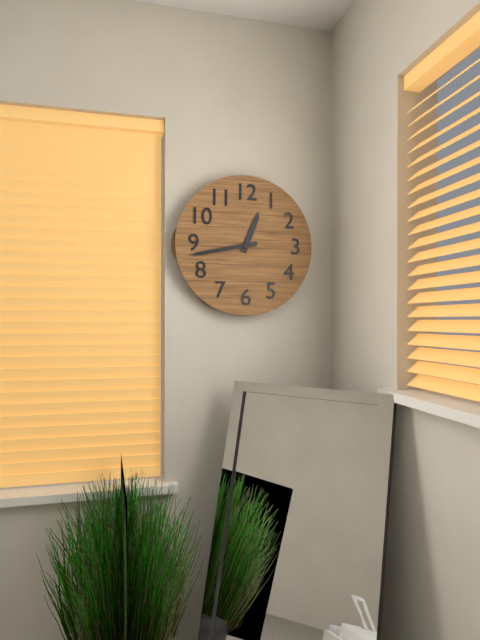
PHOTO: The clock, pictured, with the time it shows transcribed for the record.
12:43
